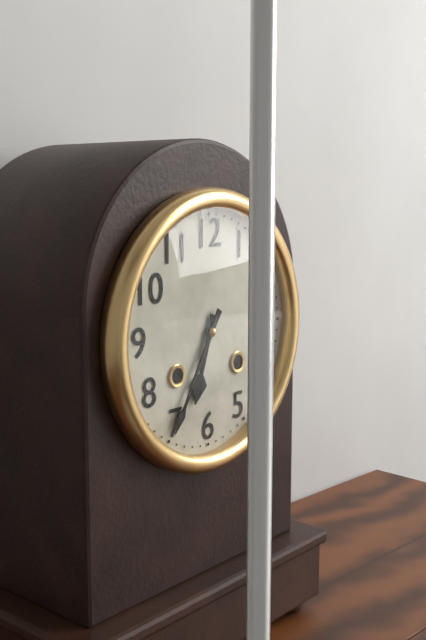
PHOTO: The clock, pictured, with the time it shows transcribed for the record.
6:35
